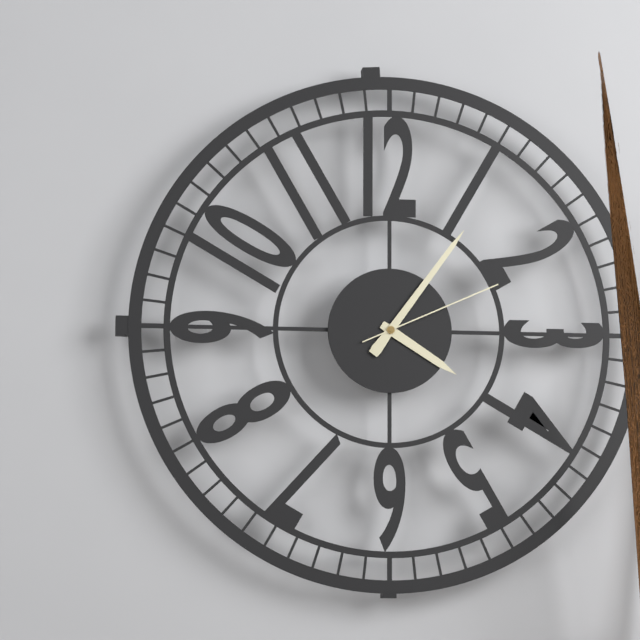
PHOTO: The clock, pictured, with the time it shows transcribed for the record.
4:06:11
